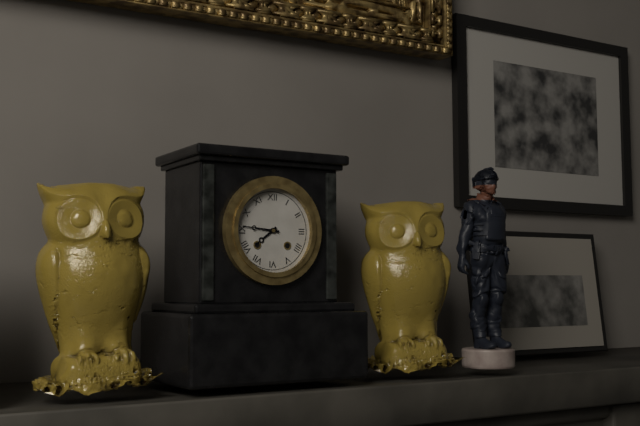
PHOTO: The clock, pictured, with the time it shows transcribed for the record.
7:46
